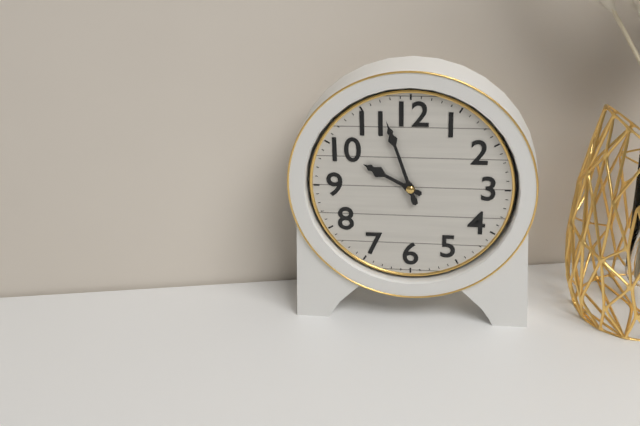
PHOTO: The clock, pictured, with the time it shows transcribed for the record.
9:57
